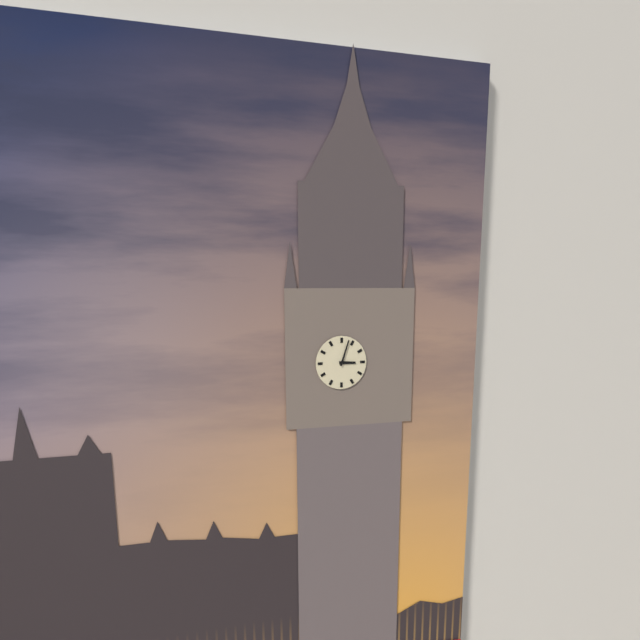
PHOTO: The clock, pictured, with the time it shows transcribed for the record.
3:03
